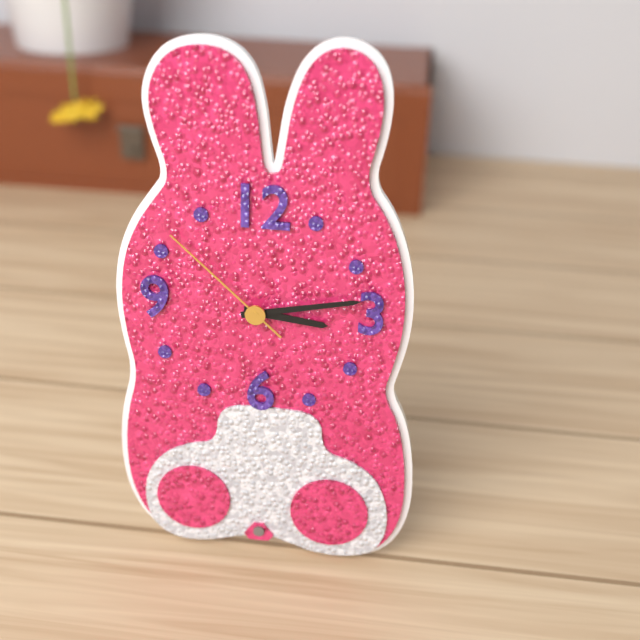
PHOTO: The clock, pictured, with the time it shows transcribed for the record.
3:13:52
